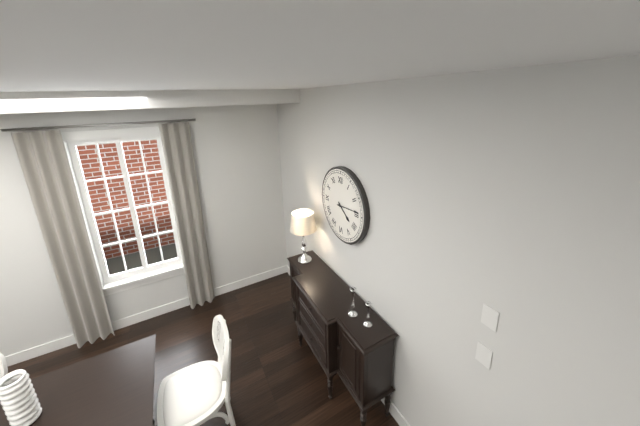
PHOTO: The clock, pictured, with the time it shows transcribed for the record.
4:14
